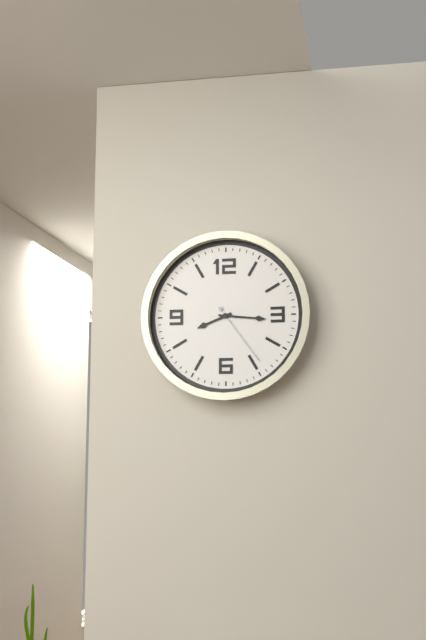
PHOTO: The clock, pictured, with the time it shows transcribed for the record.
8:16:24
